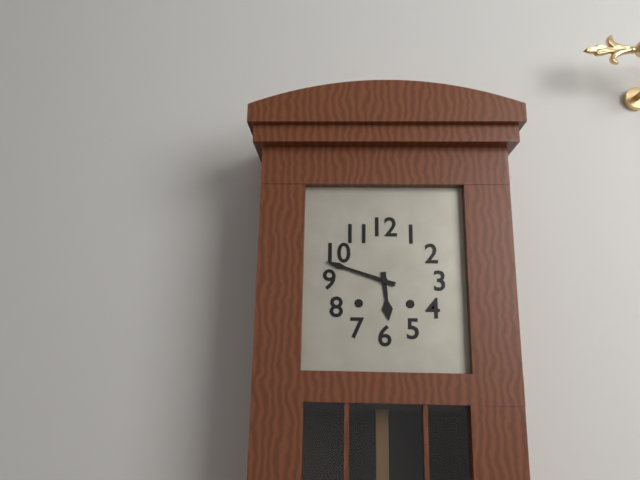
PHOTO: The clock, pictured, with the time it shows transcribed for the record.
5:48
